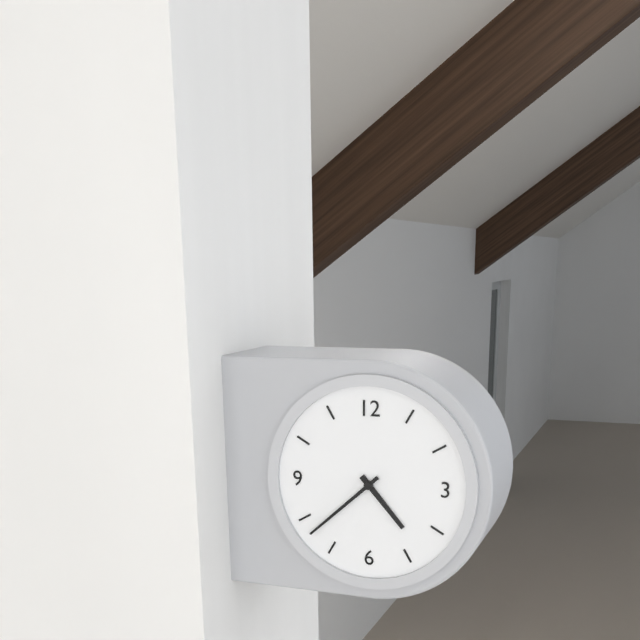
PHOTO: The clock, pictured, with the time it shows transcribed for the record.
4:38
